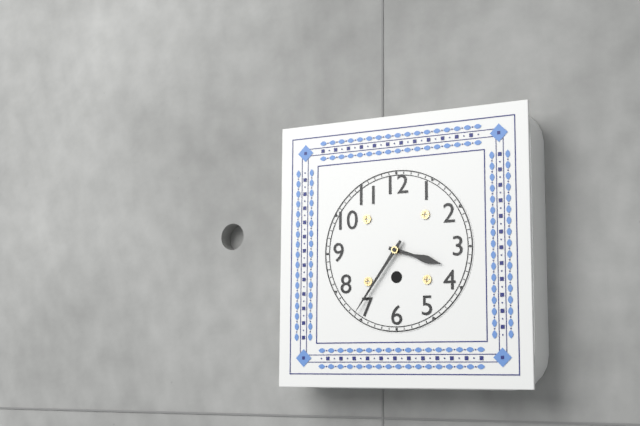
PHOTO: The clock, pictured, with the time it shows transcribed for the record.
3:36
